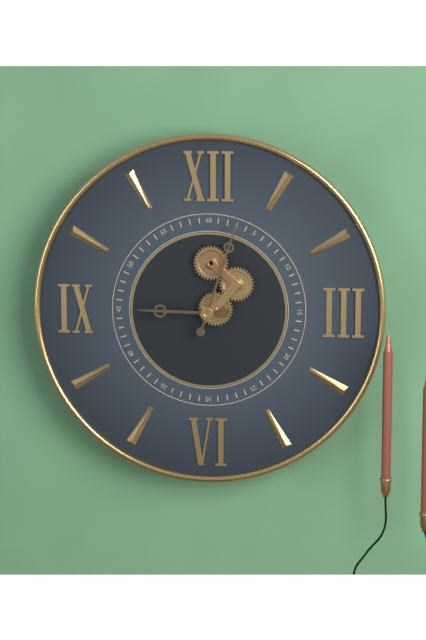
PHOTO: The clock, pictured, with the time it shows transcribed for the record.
9:03
